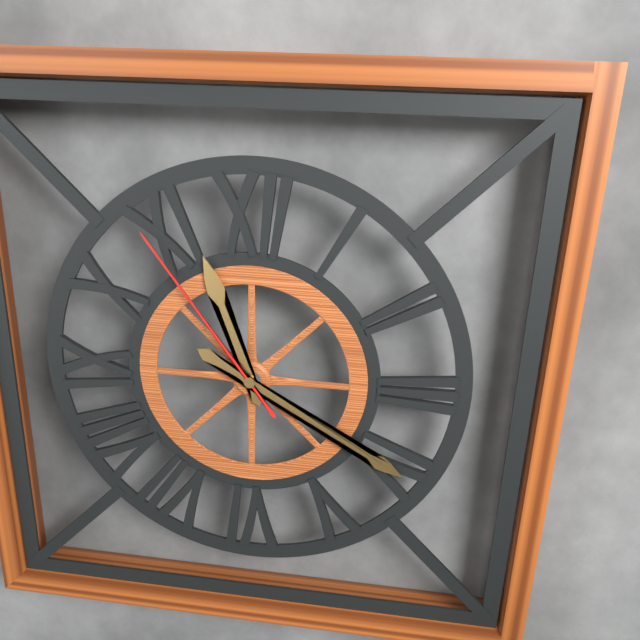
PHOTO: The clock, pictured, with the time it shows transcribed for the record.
11:20:54
